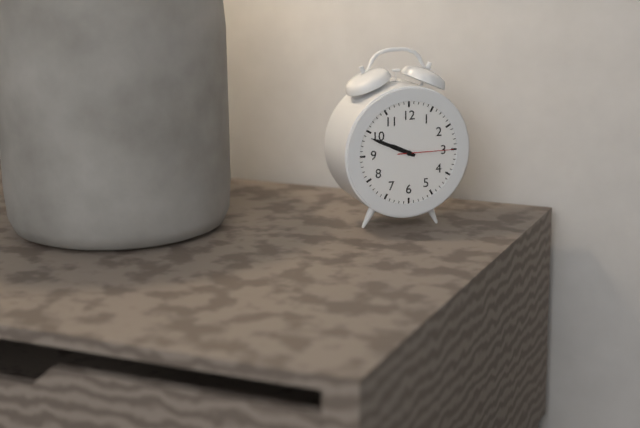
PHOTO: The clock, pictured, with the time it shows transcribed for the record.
9:49:15
